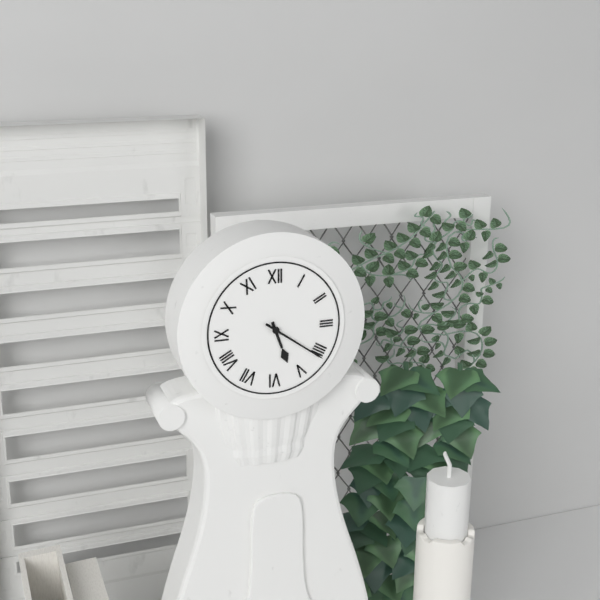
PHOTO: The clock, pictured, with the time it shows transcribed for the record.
5:21
